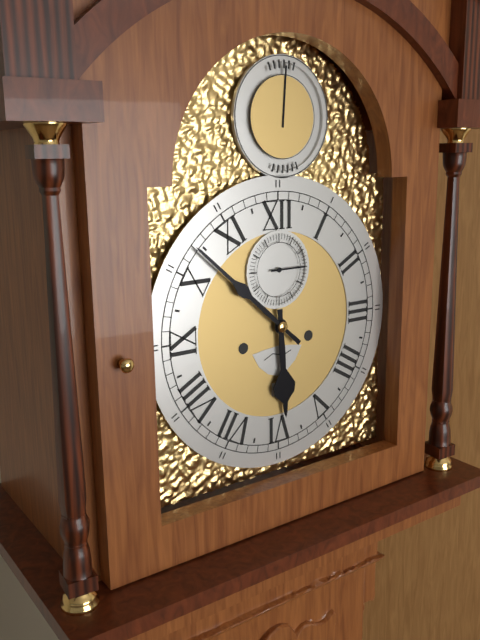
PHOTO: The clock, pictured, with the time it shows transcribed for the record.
5:52
